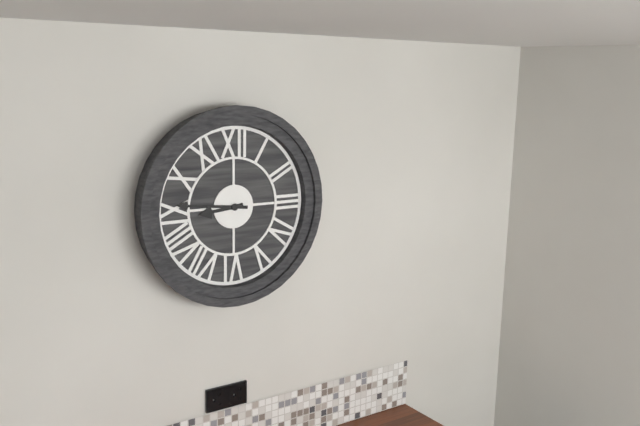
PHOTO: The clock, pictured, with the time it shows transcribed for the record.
8:46
